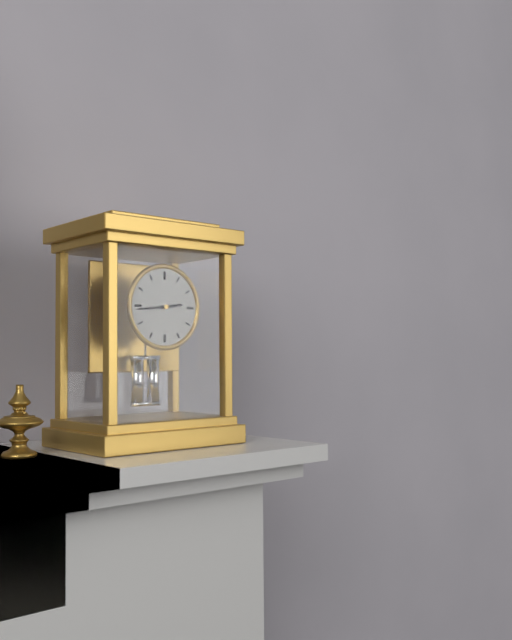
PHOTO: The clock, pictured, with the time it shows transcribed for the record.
2:44
